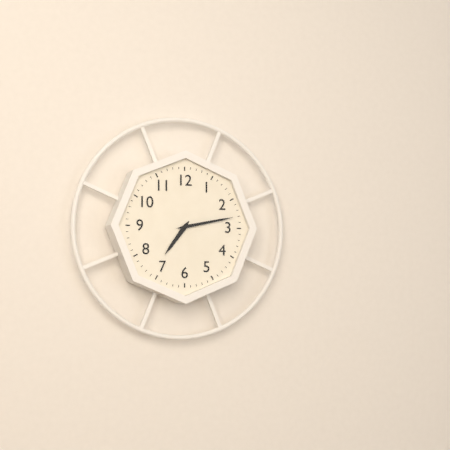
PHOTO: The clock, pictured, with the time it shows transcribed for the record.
7:13
